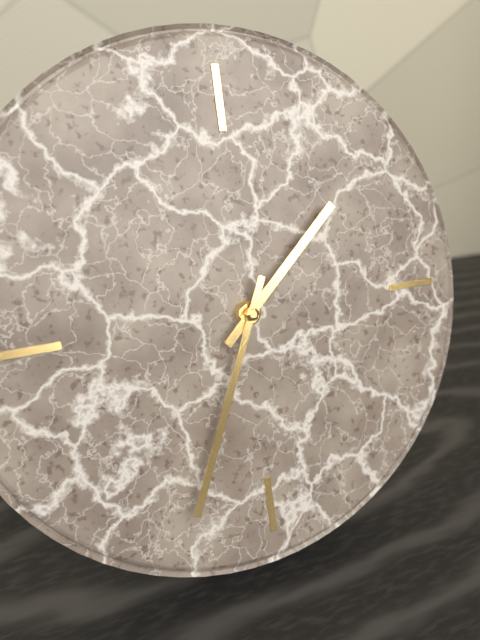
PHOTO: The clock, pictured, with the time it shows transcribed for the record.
1:34
